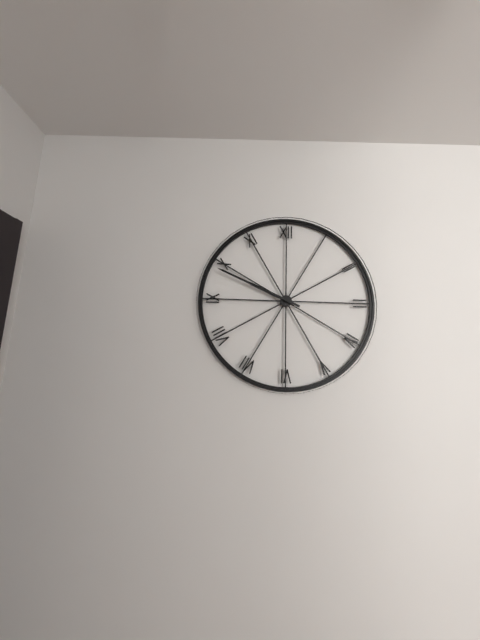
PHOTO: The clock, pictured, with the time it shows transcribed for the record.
9:49
